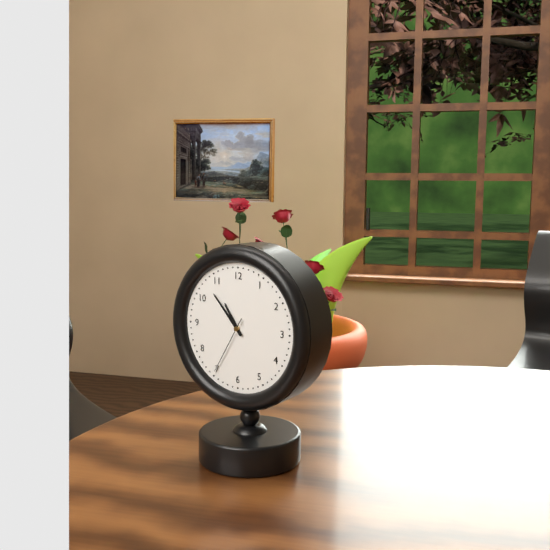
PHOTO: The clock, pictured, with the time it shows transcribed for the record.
10:53:35
